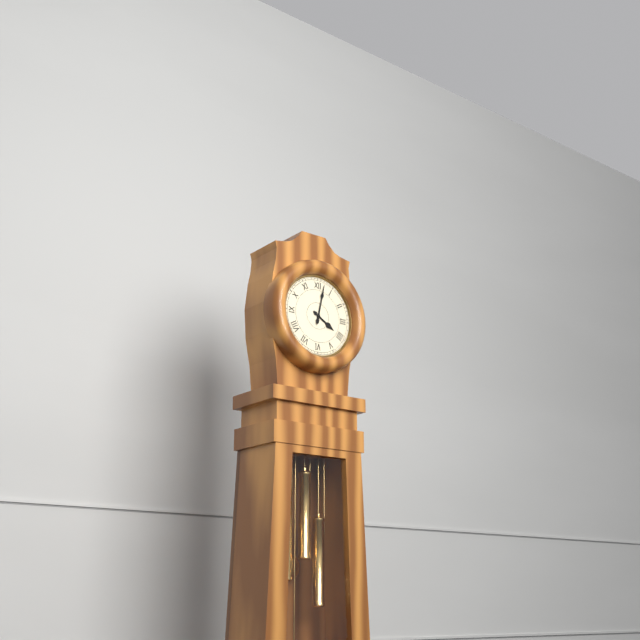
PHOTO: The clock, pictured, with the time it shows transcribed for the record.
4:02
